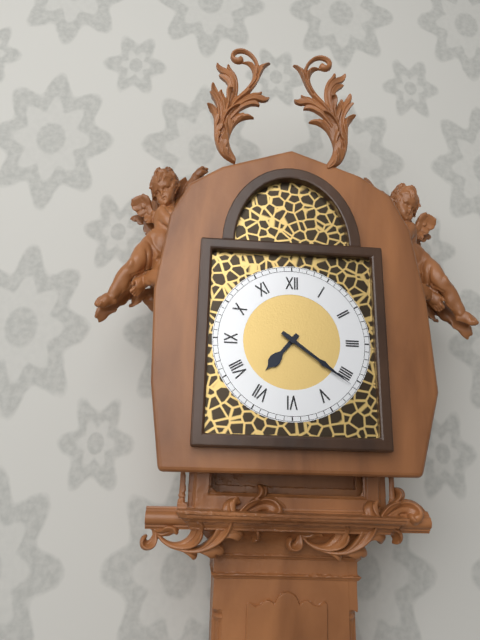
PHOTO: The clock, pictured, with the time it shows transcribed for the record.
7:21
